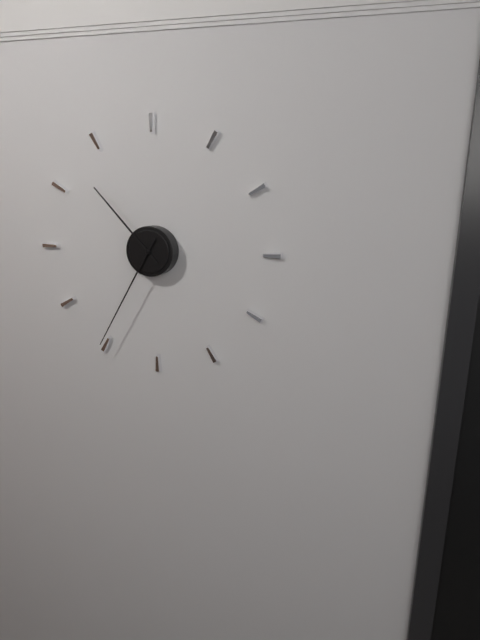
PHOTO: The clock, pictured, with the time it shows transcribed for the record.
10:35
